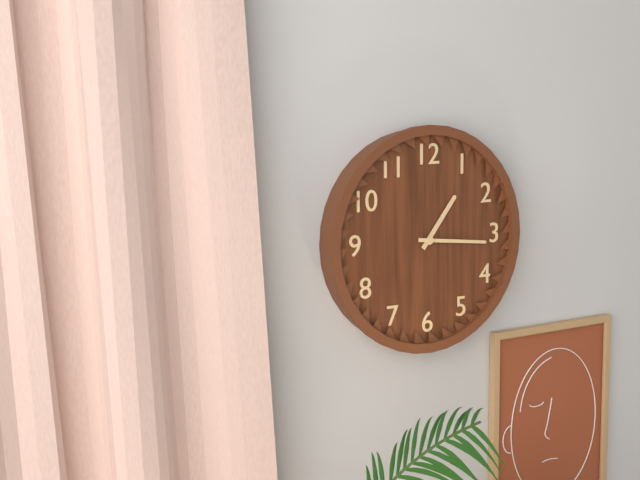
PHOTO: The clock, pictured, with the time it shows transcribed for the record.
1:16
